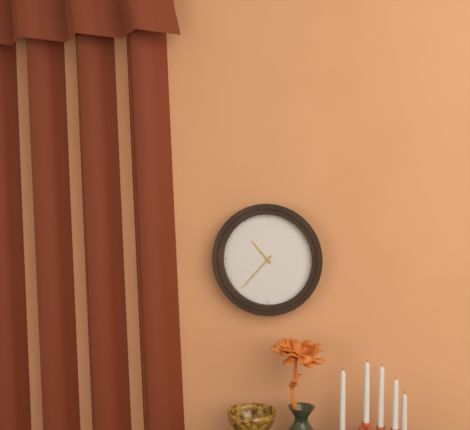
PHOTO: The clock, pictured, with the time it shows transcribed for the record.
10:37
